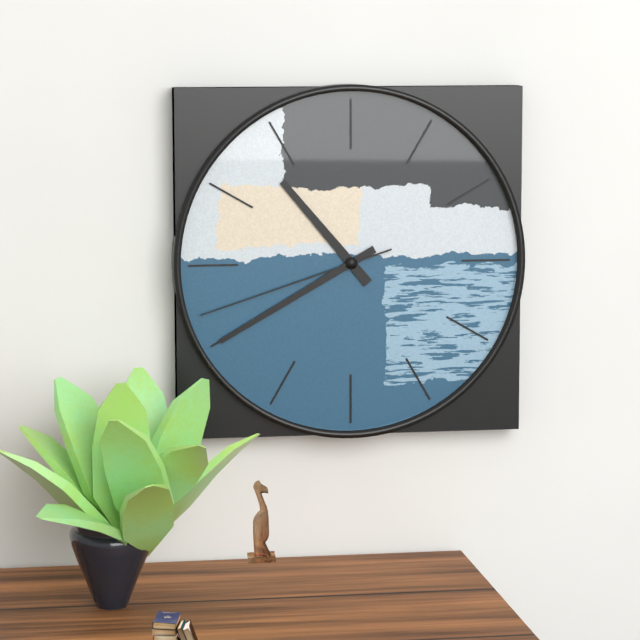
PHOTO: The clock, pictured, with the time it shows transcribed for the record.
10:40:42
